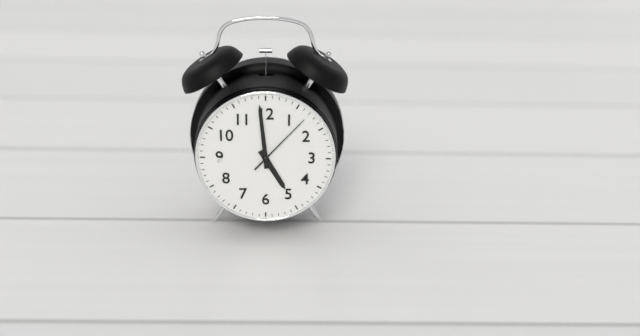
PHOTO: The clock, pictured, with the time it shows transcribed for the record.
4:59:07
